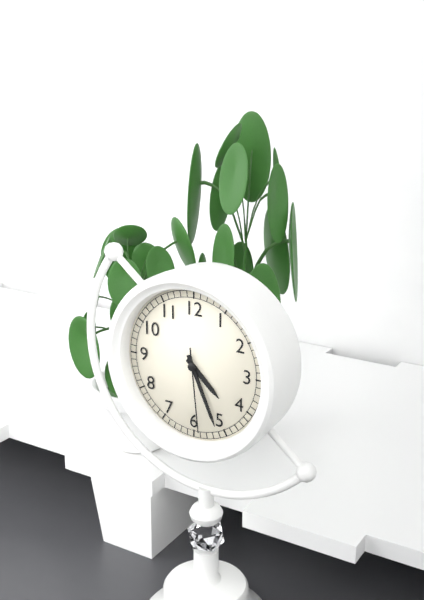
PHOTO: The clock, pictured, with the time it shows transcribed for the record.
4:26:29
